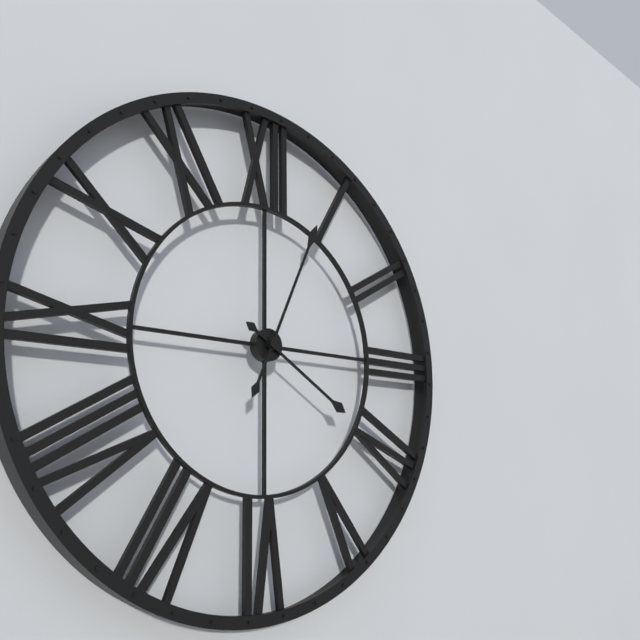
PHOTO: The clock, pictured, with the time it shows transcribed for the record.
4:04
